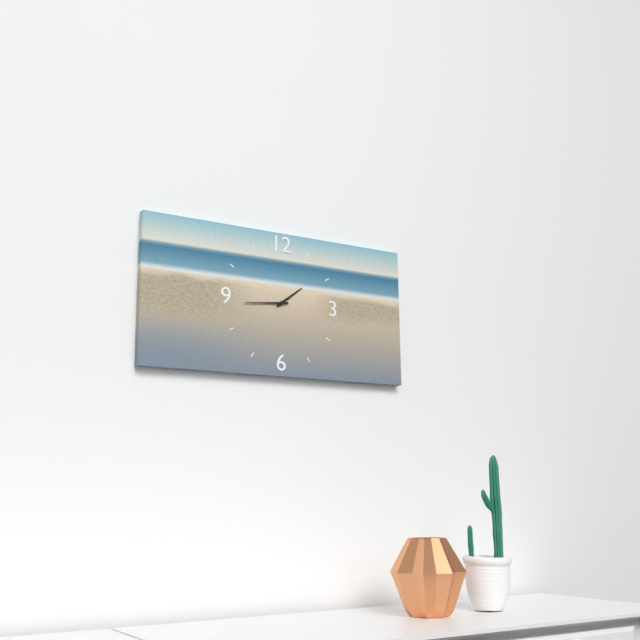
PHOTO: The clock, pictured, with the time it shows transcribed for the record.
1:44
